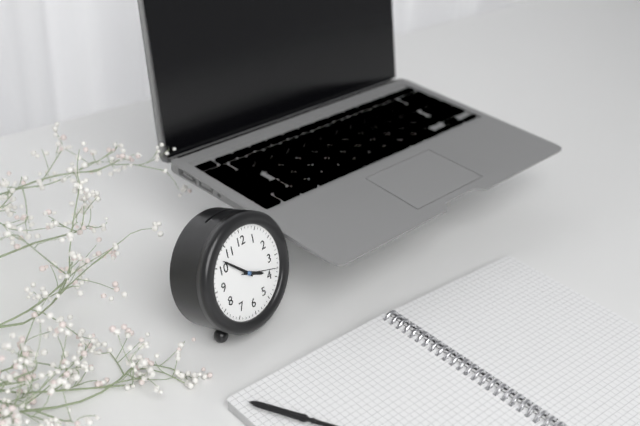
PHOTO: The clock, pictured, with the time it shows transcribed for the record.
3:52
